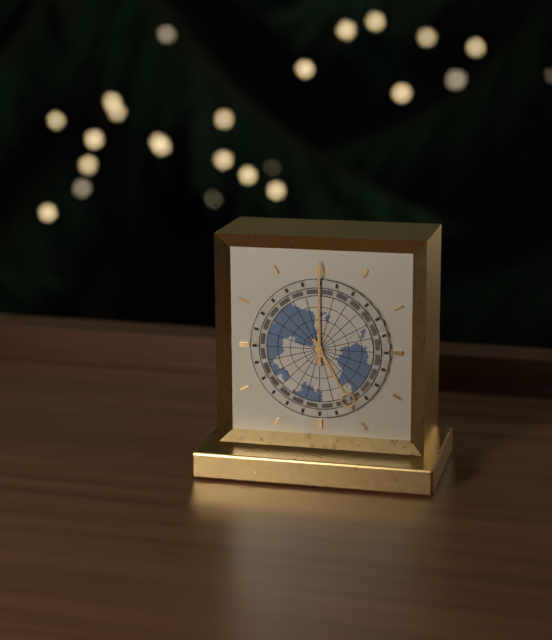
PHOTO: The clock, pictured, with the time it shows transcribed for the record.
5:00
